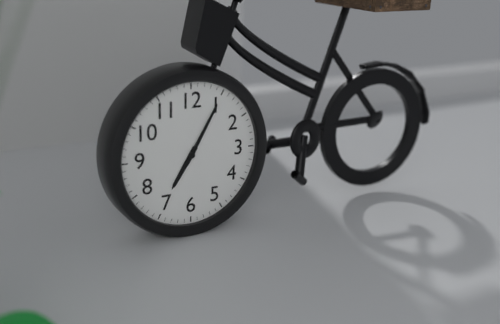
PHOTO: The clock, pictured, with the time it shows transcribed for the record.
7:05
